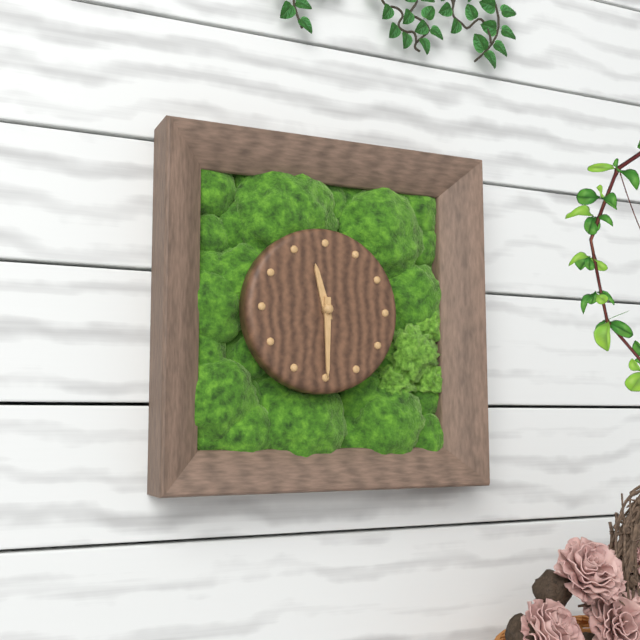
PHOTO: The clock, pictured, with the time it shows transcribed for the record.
11:30
